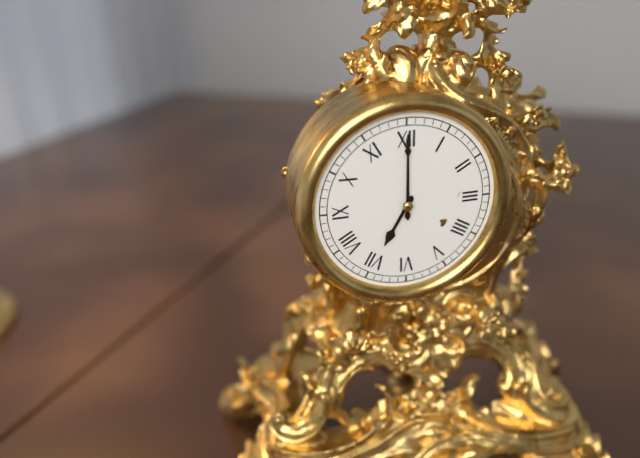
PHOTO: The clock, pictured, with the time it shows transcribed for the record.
7:00
